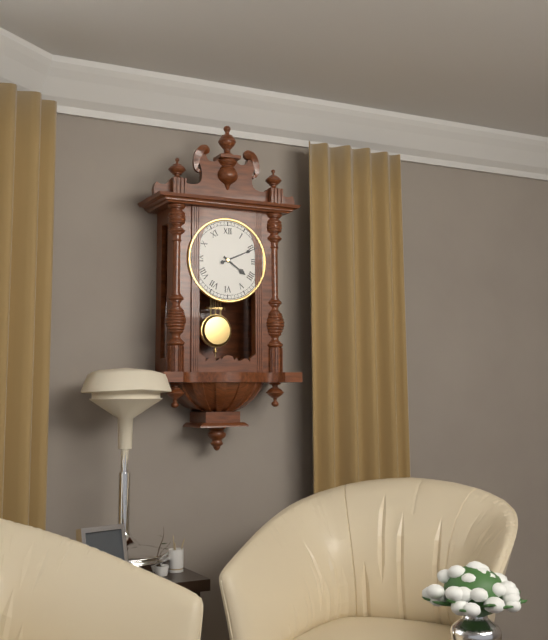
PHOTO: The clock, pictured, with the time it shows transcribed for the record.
4:11
